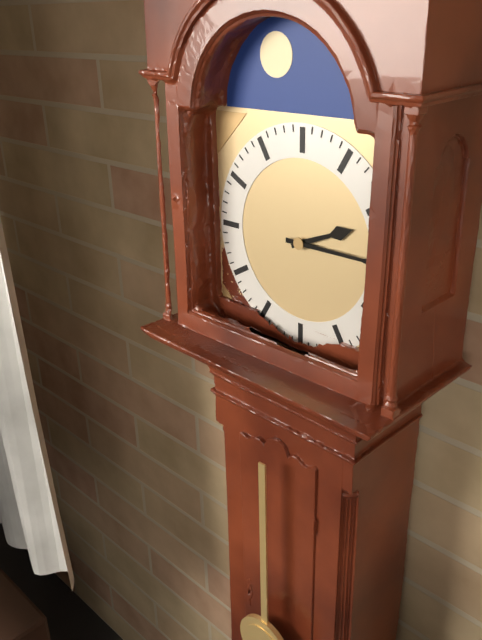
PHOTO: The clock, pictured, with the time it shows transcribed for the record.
2:15
